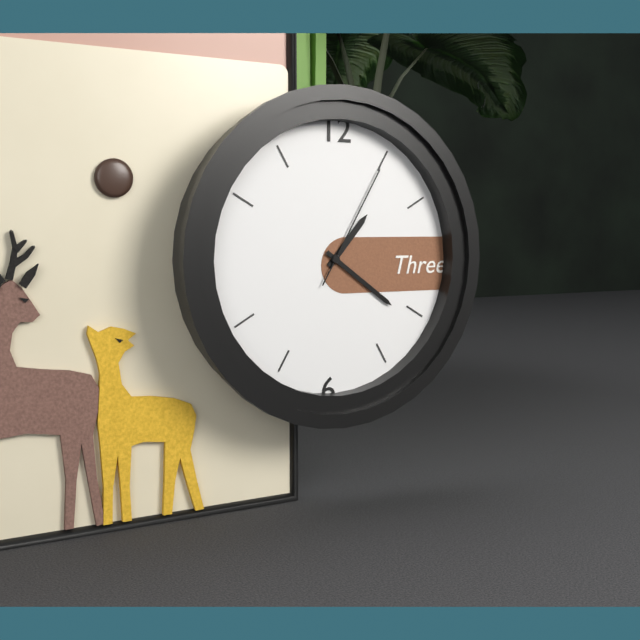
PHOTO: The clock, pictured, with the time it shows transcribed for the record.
1:21:05
